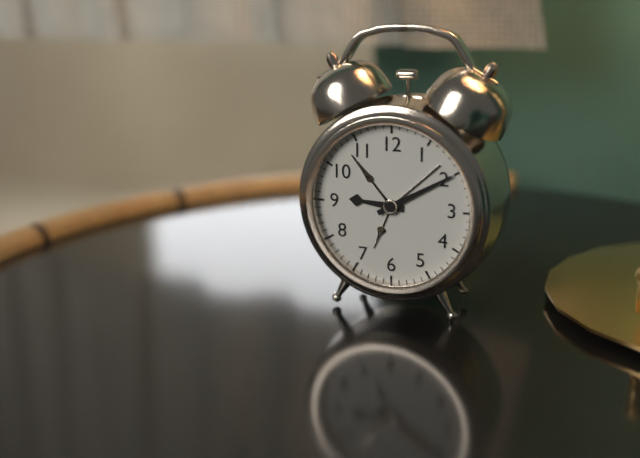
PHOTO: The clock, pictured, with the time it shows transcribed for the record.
9:10
